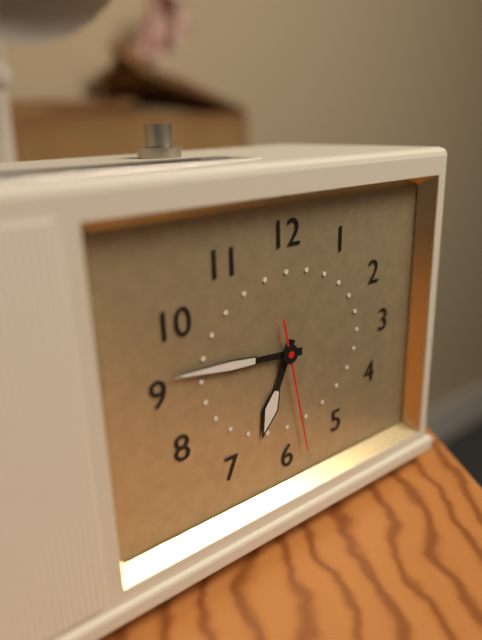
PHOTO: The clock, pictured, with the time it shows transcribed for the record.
6:46:28
